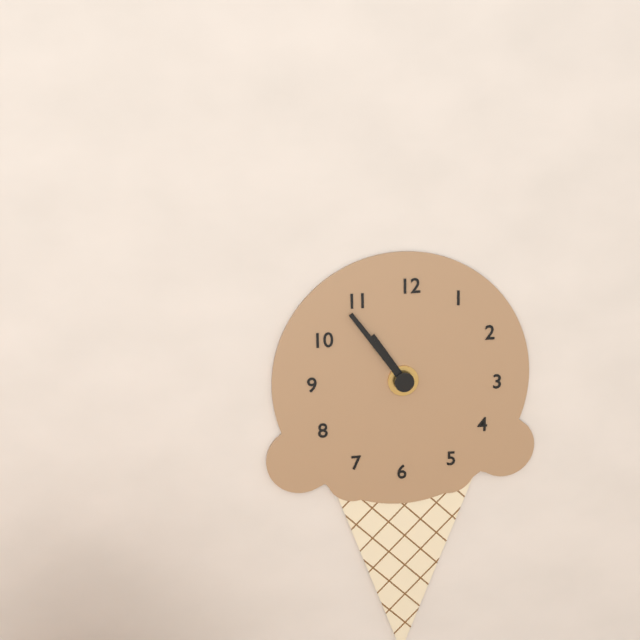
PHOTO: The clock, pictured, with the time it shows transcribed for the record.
10:54
